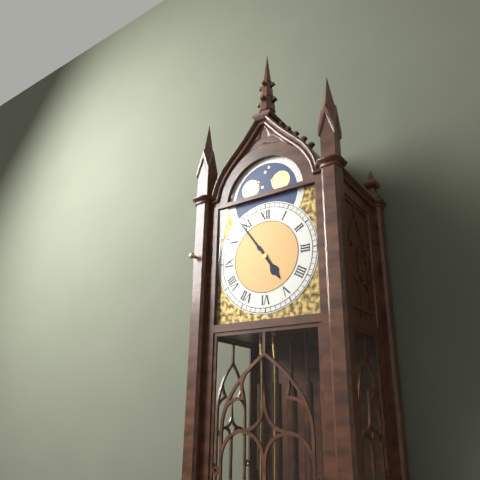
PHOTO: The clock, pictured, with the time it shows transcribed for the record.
4:54
